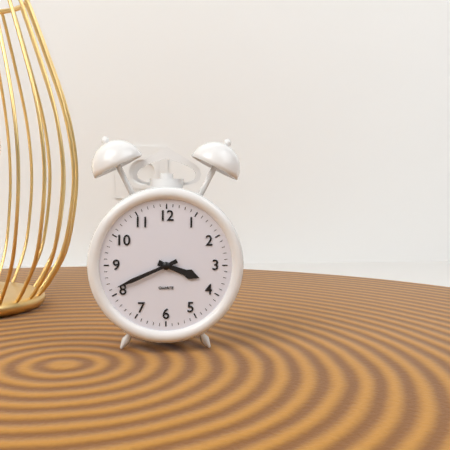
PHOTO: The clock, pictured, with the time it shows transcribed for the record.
3:41
